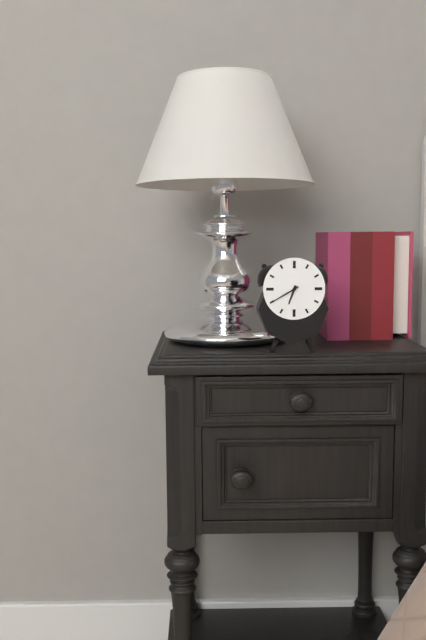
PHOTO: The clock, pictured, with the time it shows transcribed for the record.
6:40
